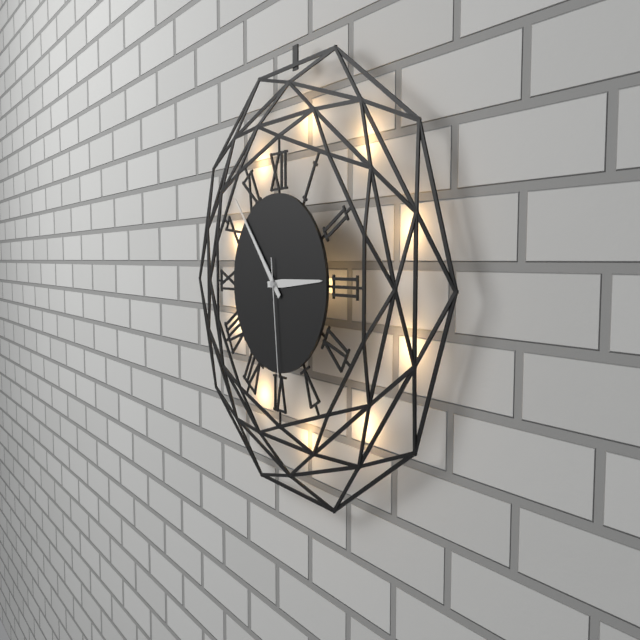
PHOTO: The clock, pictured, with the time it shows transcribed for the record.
2:53:29
